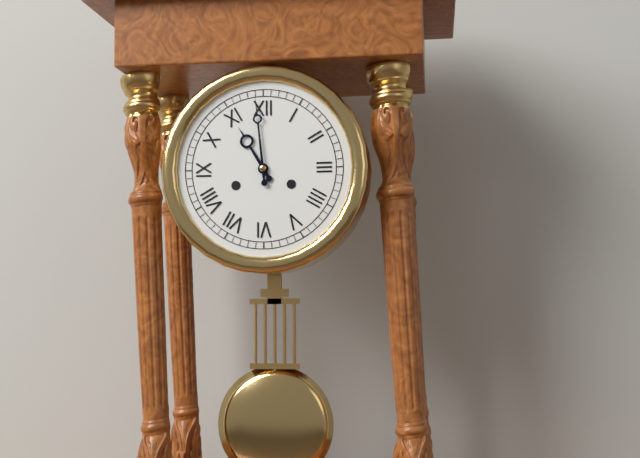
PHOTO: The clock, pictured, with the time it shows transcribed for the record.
10:59
